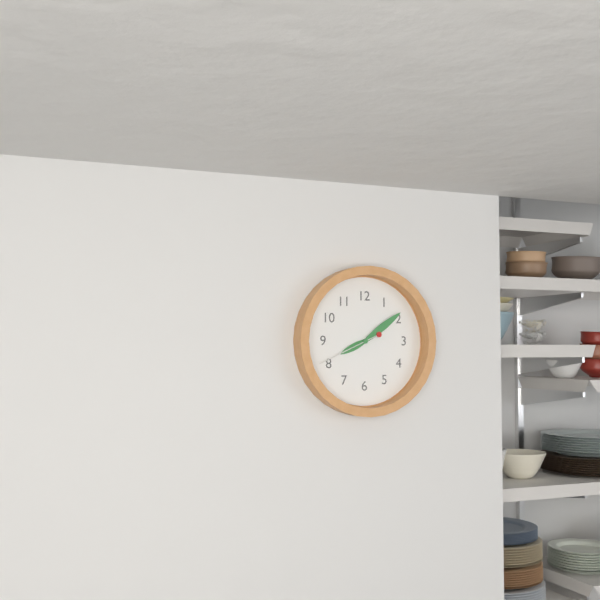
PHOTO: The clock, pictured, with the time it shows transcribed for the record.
8:09:41
